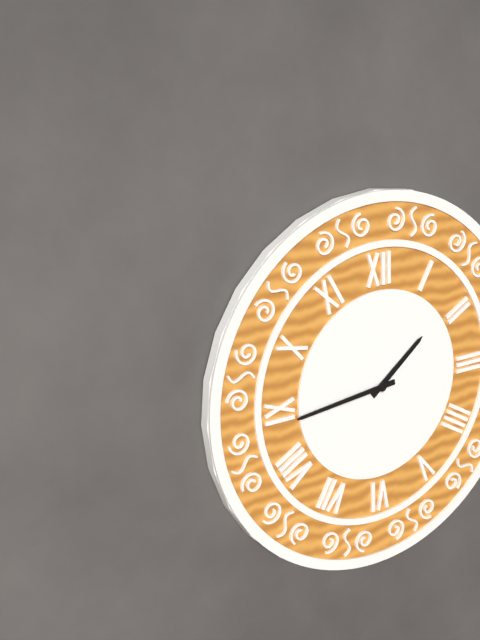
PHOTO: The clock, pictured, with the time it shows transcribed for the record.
1:44
